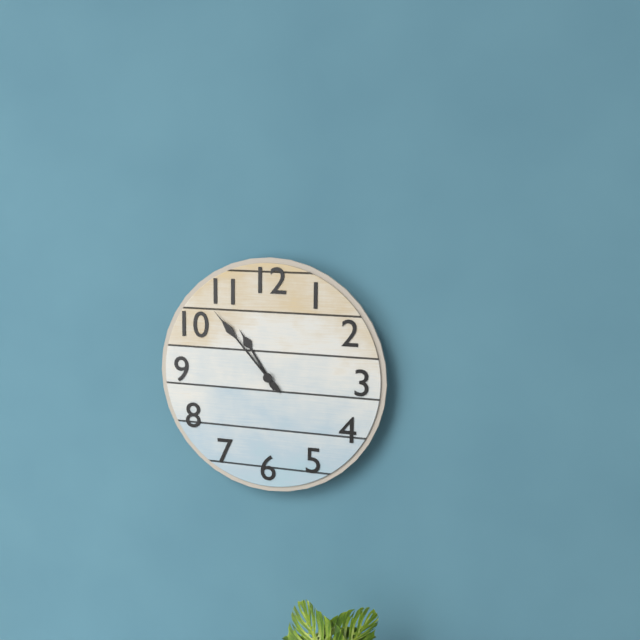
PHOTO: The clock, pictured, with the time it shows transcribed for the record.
10:53
